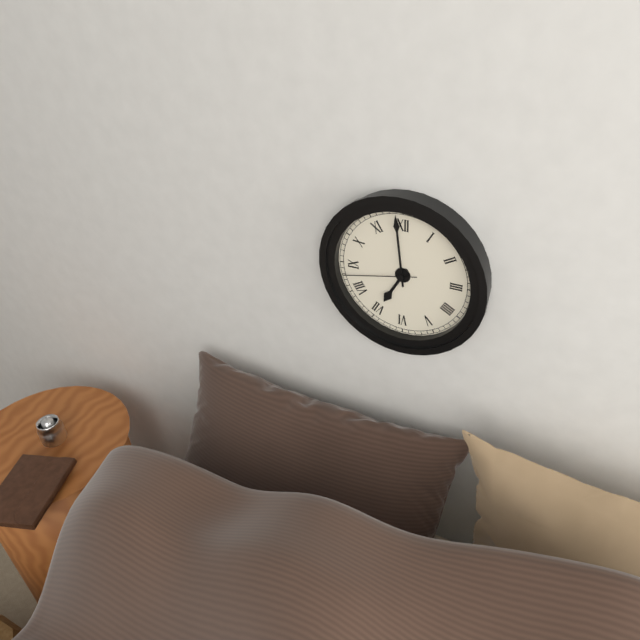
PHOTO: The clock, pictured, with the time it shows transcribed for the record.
6:59:43
